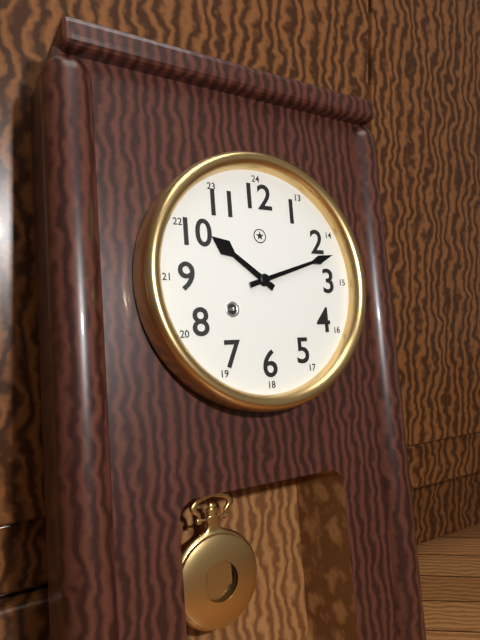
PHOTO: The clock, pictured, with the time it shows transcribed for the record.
10:12
